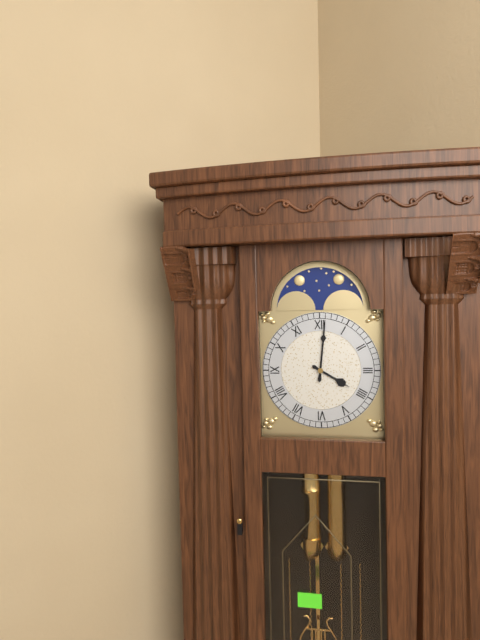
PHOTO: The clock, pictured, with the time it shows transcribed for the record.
4:01
